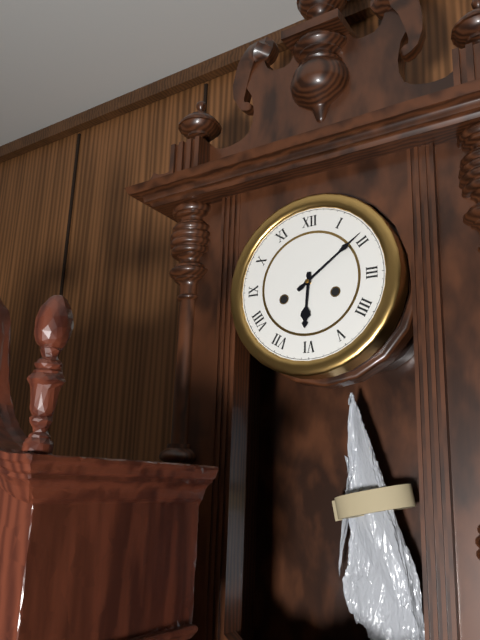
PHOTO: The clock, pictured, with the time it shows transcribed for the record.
6:09
